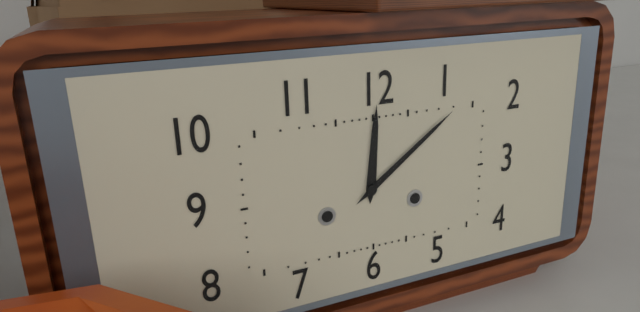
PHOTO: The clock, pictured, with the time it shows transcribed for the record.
12:09
